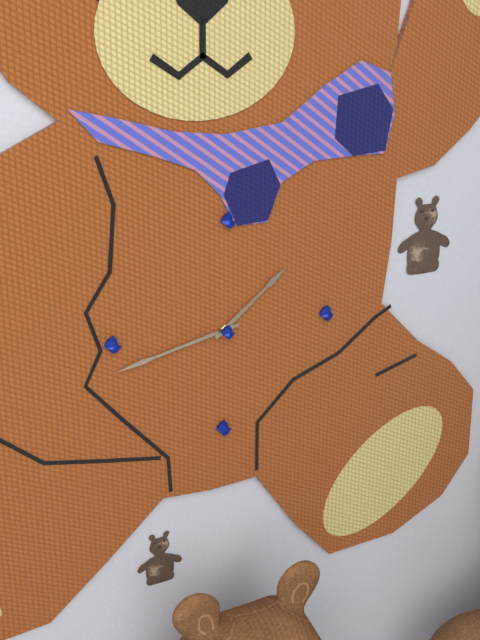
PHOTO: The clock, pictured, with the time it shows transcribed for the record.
1:43
